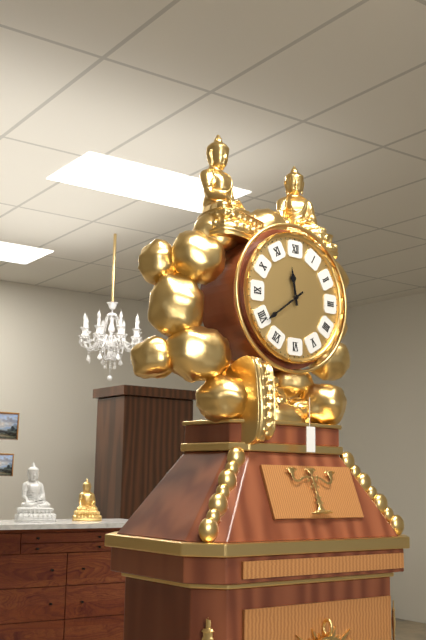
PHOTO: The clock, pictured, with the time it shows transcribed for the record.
11:39
